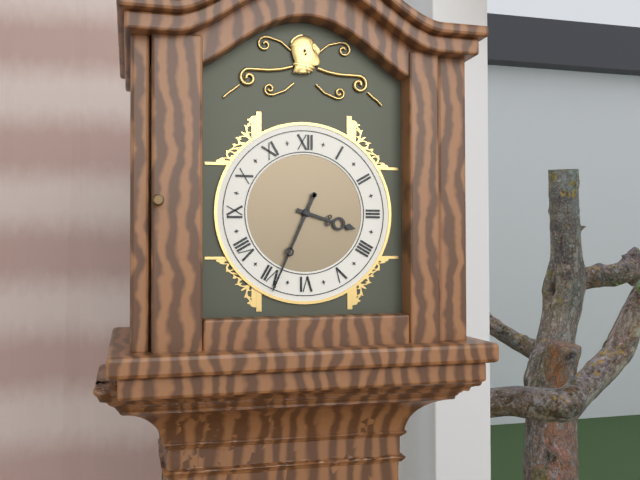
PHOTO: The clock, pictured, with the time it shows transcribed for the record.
3:34
